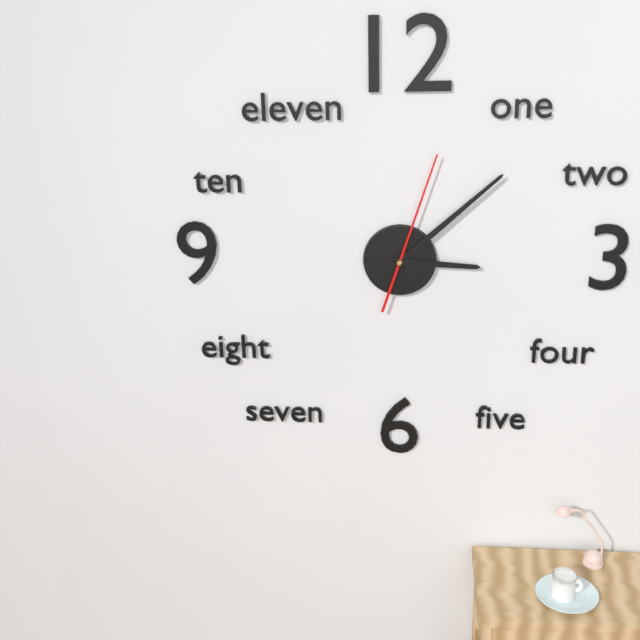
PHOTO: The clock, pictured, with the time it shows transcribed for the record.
3:08:03
